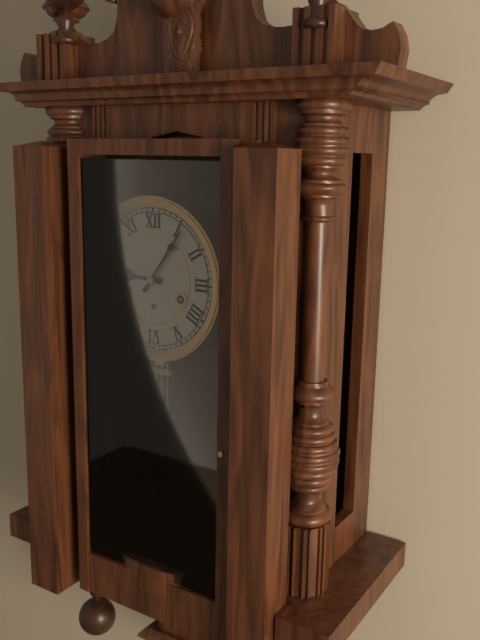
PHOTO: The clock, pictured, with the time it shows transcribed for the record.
9:06
